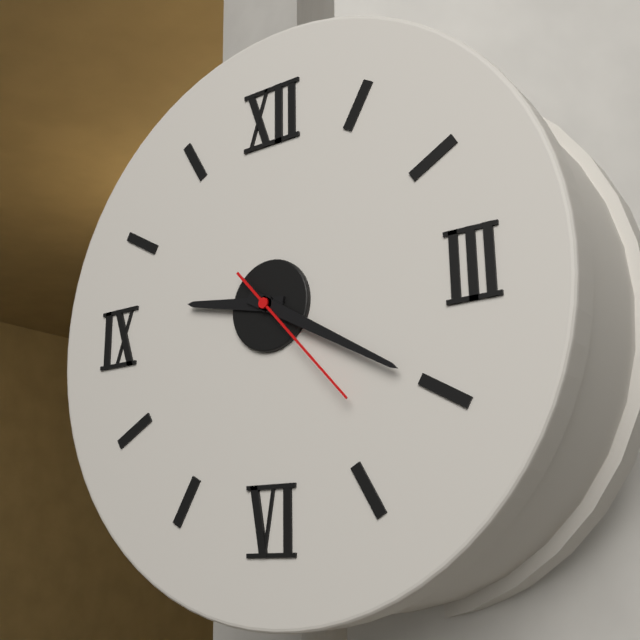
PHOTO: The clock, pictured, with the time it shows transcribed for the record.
9:20:23
